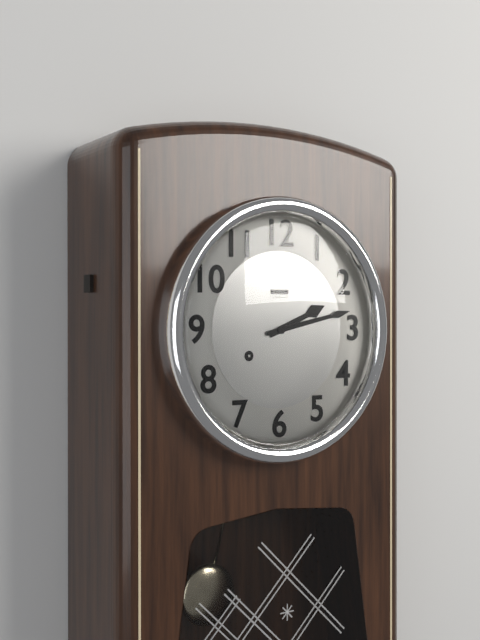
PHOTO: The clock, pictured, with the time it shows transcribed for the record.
2:13
